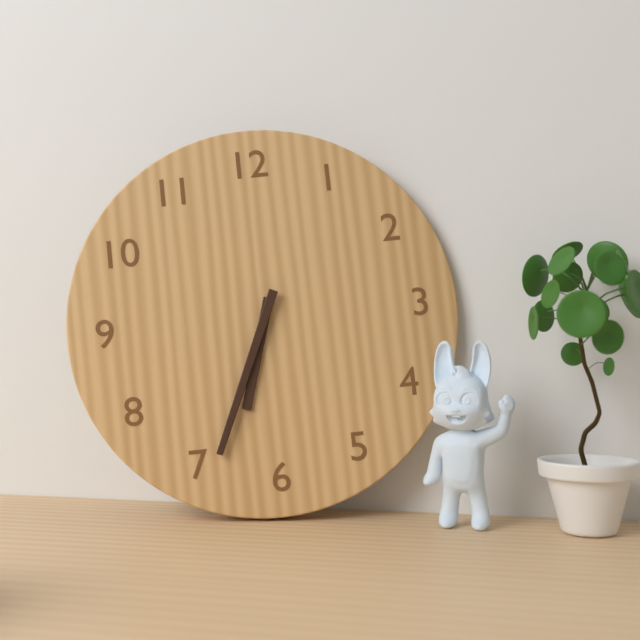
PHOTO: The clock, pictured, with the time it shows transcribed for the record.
6:34
